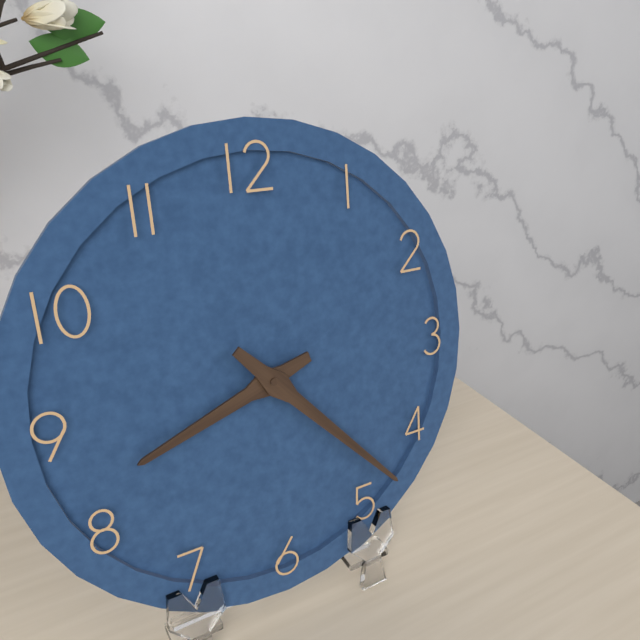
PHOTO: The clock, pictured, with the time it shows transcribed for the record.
8:23
